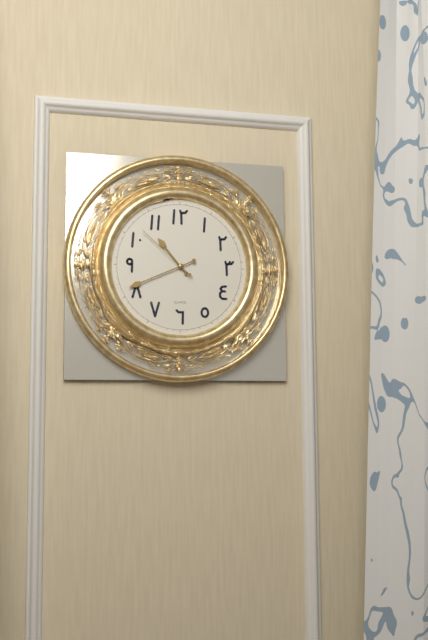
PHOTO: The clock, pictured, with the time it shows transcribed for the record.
10:41:52
